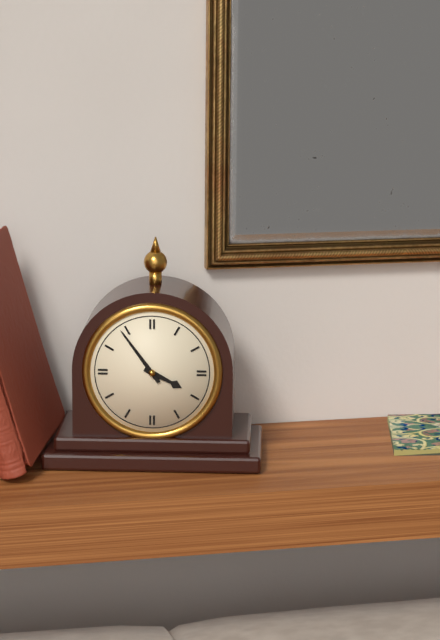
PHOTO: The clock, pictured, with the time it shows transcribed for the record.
3:54
